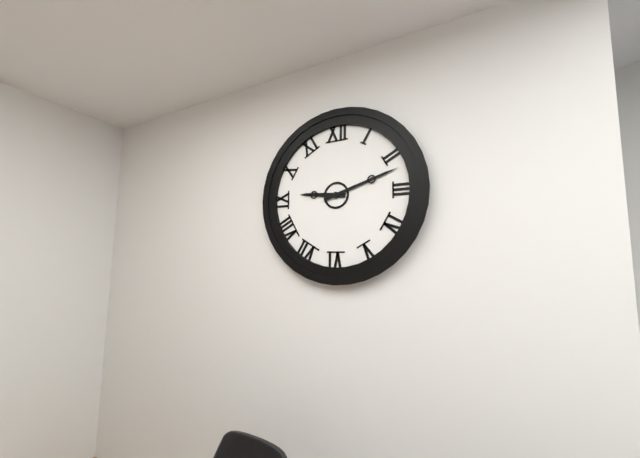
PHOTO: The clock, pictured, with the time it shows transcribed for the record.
9:12
